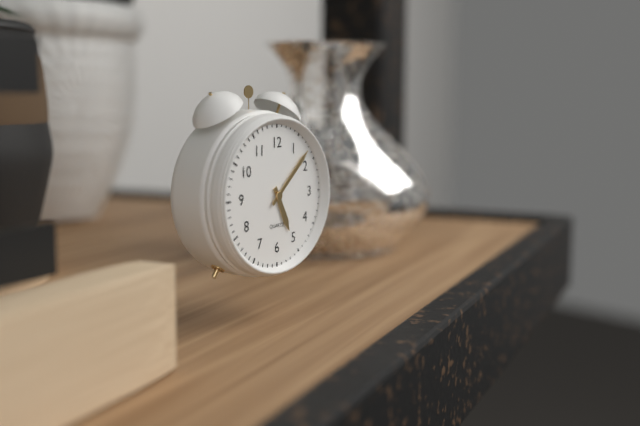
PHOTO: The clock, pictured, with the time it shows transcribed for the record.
5:08
